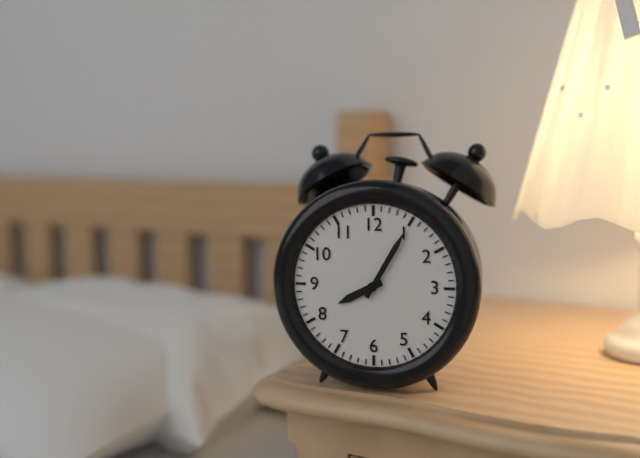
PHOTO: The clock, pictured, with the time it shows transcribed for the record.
8:05
